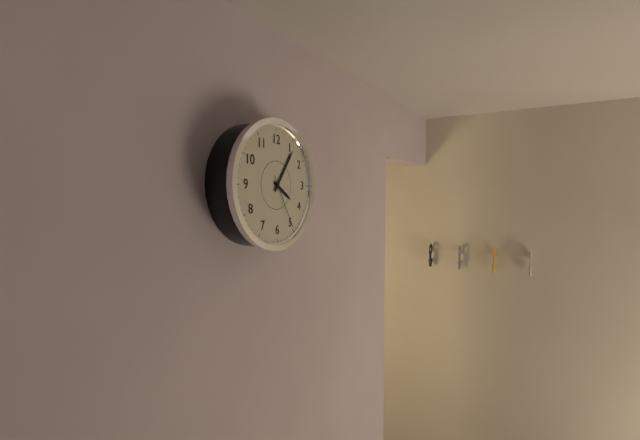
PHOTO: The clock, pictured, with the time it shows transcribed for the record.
4:06:25
